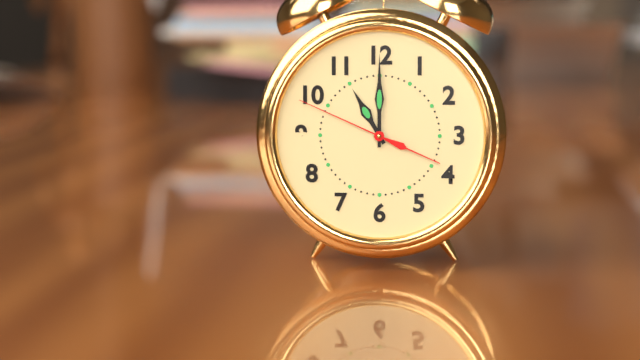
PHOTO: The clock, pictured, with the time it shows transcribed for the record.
11:00:49
